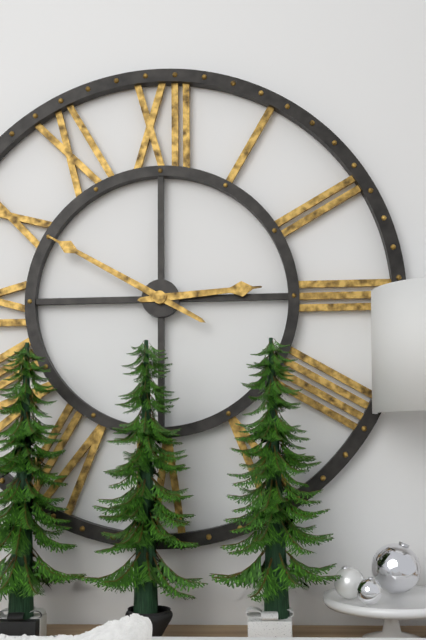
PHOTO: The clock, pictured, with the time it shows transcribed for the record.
2:50
